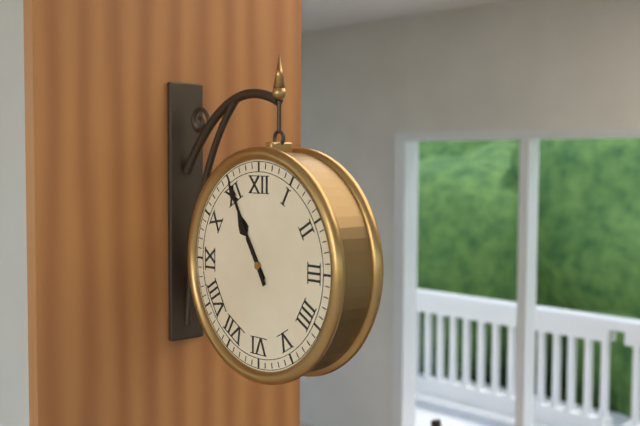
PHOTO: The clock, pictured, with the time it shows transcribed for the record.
10:55
